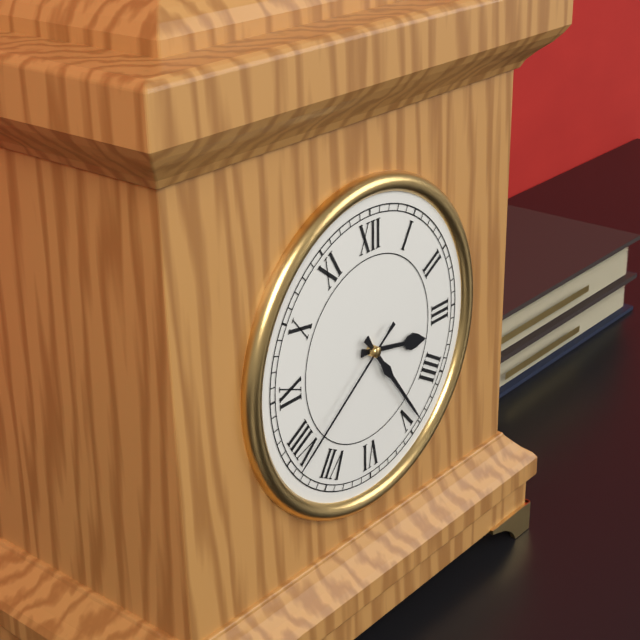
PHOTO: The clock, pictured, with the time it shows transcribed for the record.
3:24:39
